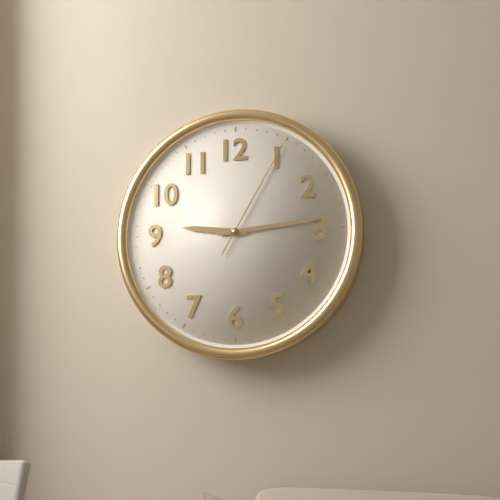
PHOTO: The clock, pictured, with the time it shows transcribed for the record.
9:14:05
